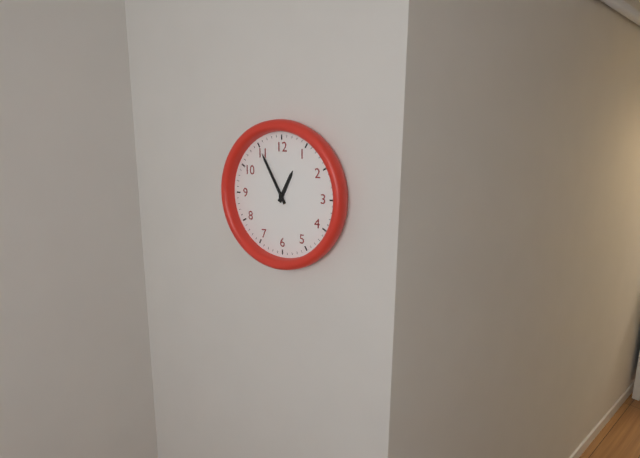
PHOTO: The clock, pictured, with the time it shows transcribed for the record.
12:55
